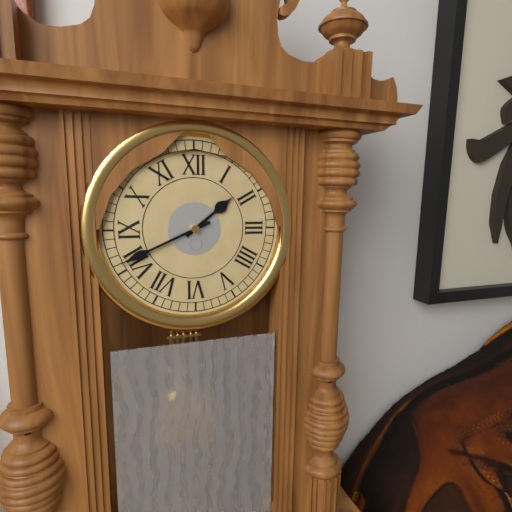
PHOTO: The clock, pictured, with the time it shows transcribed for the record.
1:41
